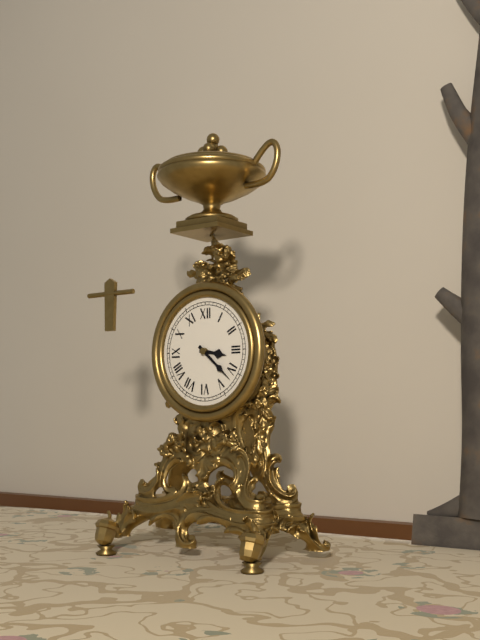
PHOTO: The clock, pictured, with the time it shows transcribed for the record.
3:22
